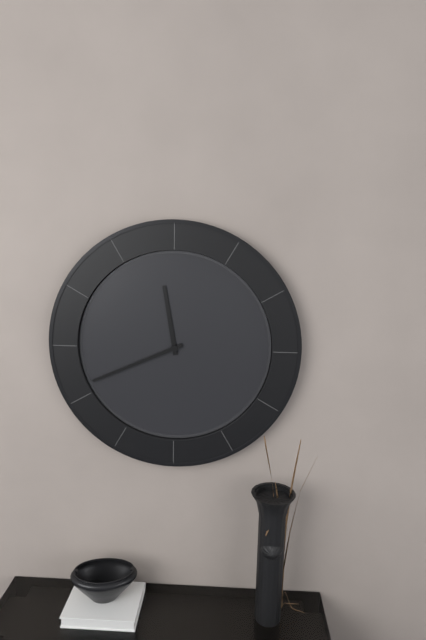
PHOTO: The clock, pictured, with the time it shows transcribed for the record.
11:41
